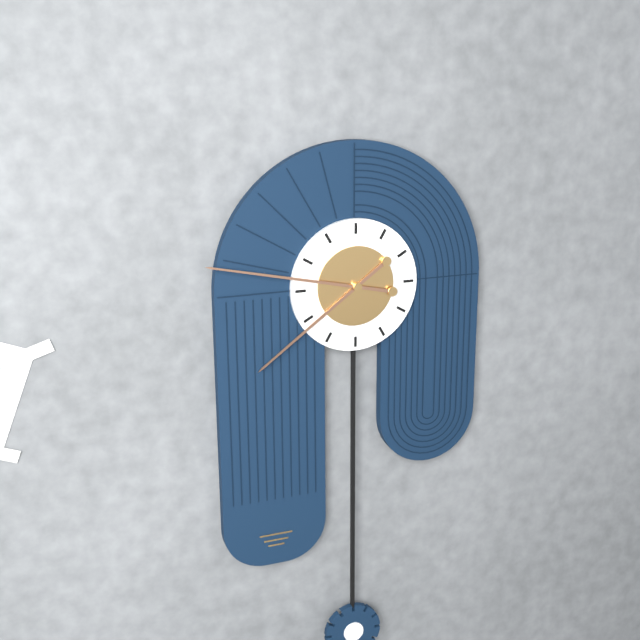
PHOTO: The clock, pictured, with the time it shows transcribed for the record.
7:47
